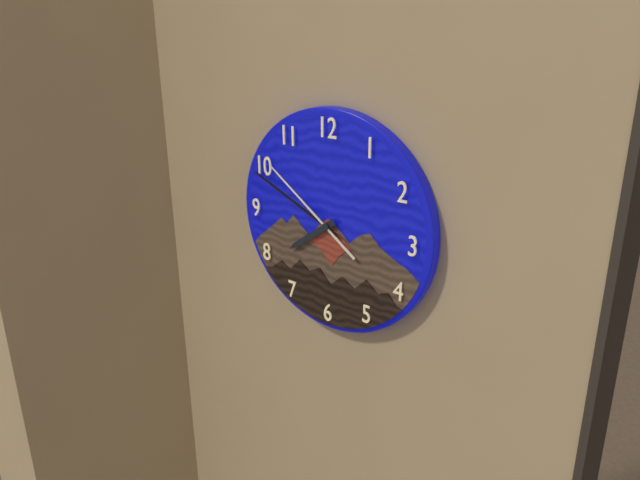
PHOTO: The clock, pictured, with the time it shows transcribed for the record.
7:49:51
